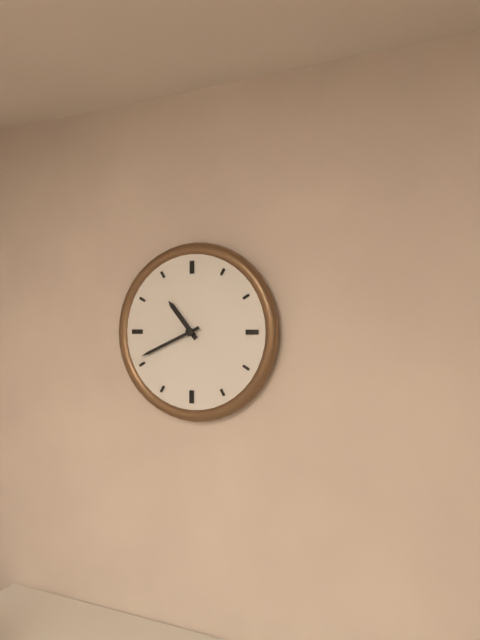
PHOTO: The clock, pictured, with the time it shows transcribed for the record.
10:41
